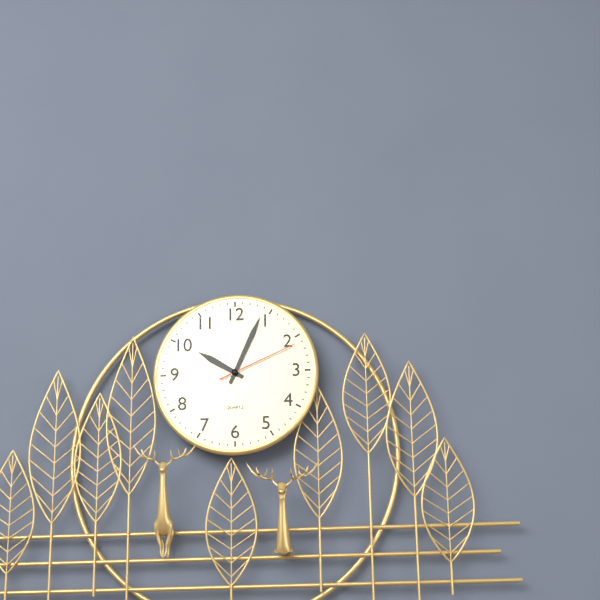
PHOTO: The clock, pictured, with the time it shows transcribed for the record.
10:04:11
